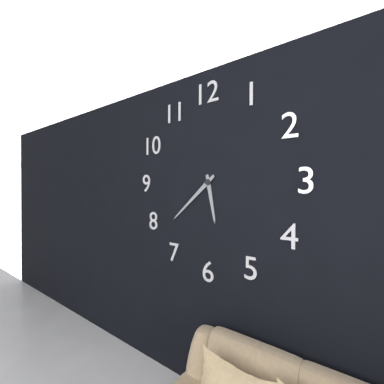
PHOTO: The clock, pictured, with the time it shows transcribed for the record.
5:38
